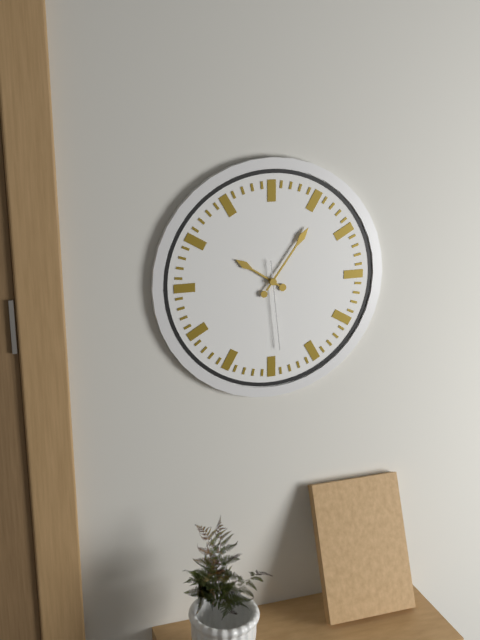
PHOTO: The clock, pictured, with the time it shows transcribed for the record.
10:06:29
